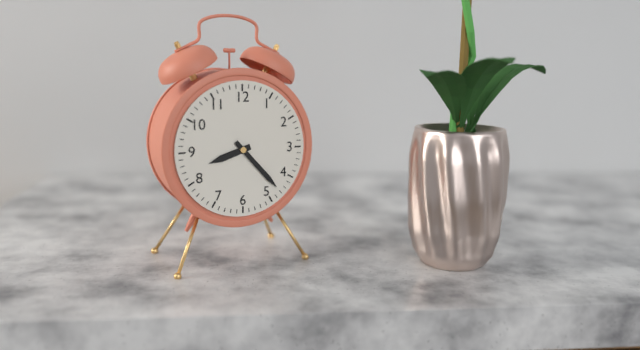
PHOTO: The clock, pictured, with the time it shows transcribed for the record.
8:23
